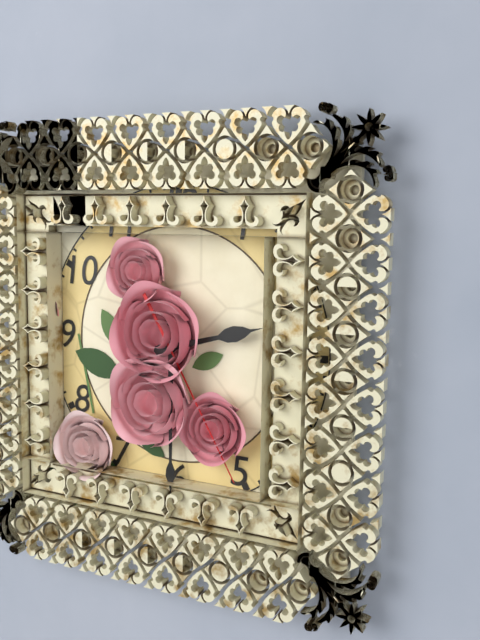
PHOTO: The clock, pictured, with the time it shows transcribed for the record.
2:30:25
